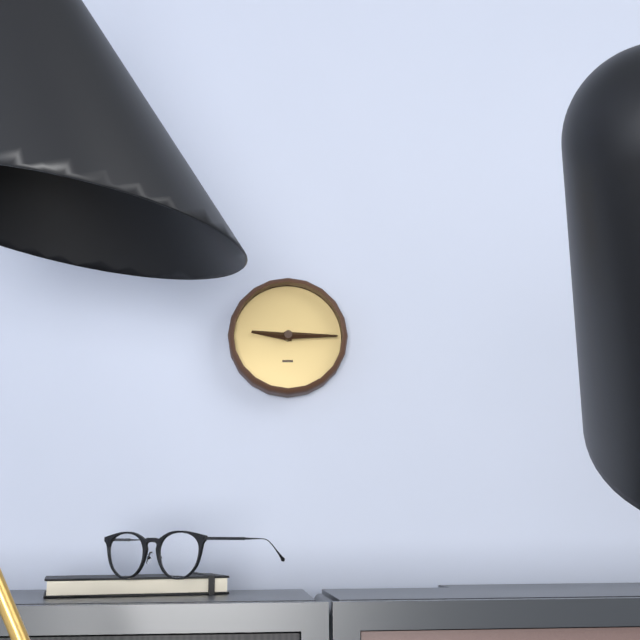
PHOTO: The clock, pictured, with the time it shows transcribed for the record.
9:15
